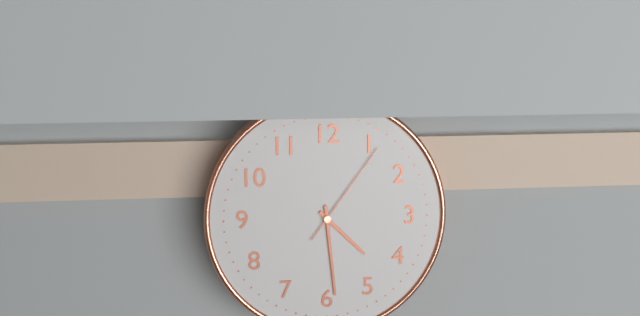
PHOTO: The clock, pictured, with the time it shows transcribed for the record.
4:29:06
